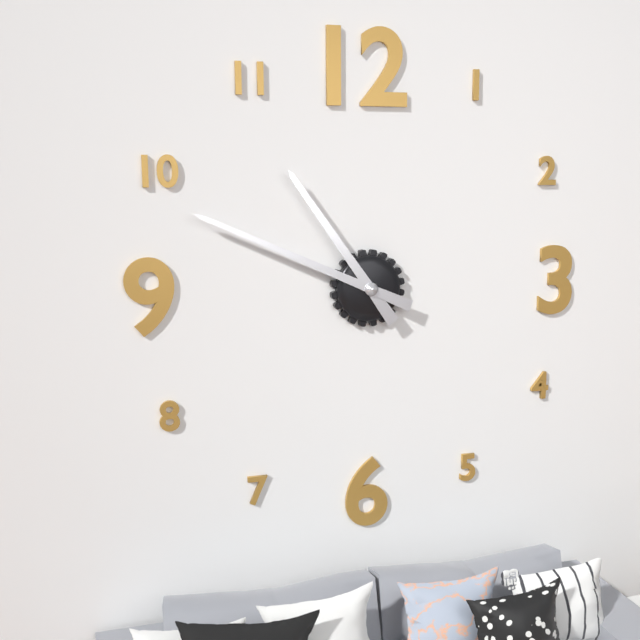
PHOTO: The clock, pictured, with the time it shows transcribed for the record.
10:49
